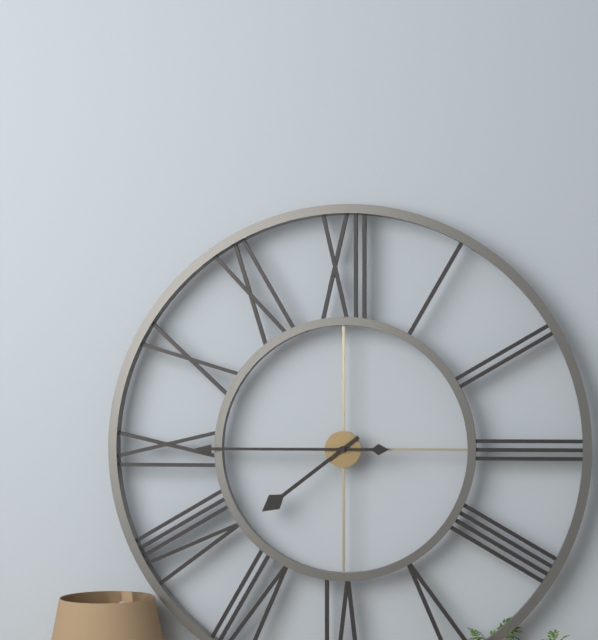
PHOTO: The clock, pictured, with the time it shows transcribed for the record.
7:45
